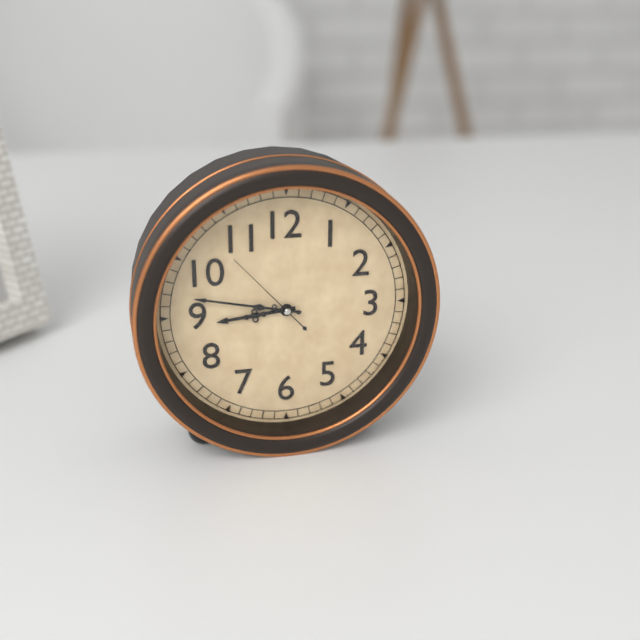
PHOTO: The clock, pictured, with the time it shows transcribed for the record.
8:47:53
